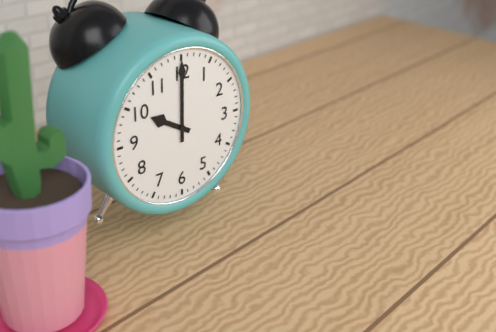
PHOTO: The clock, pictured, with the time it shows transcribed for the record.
10:00
